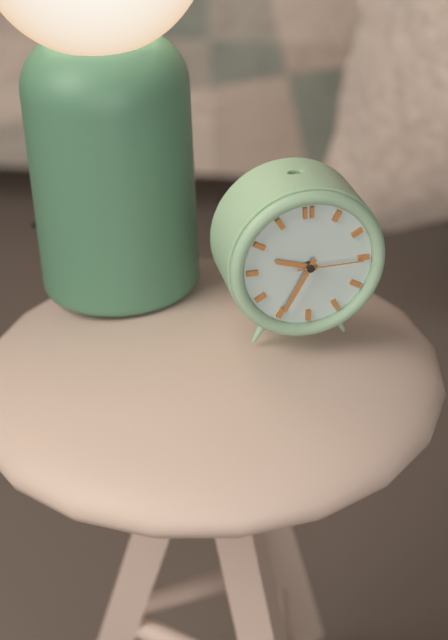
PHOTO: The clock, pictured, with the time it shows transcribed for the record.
9:35:15
